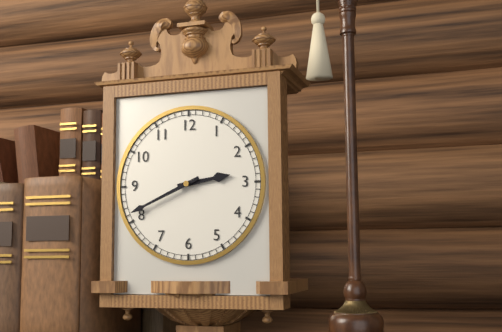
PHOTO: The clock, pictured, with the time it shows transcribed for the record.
2:41
